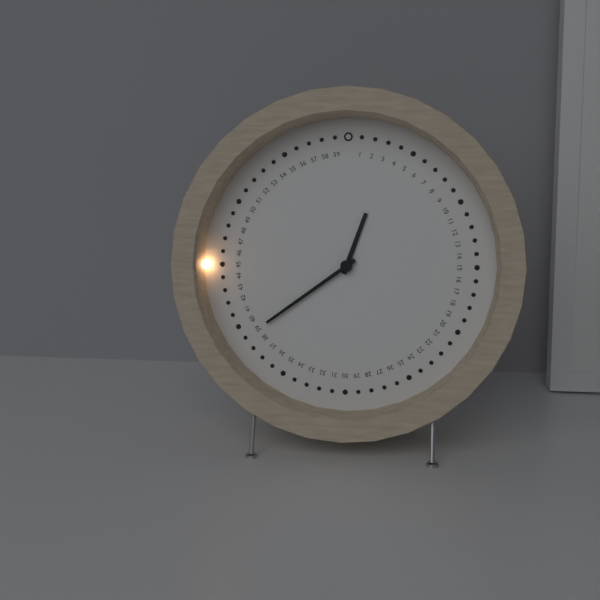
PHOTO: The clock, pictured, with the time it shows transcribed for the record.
12:39
